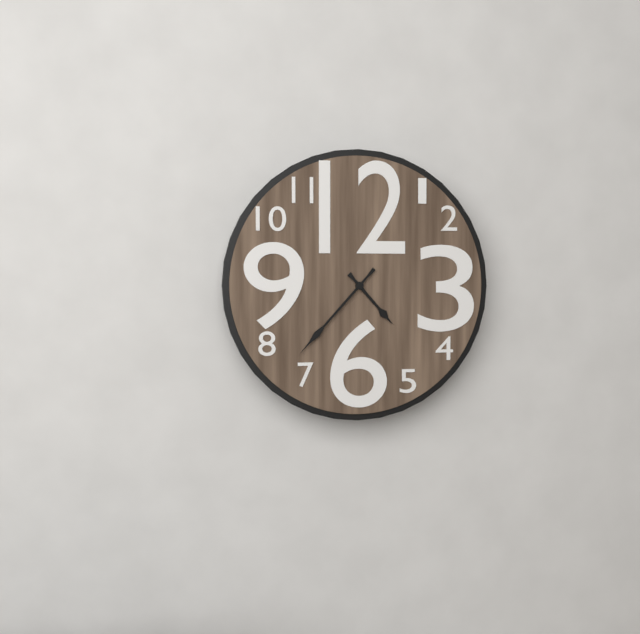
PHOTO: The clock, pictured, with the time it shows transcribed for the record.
4:37
